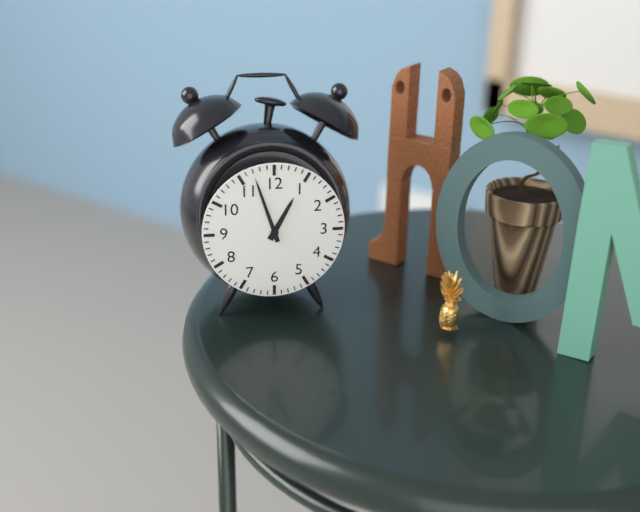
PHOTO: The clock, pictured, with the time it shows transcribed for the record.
12:57
